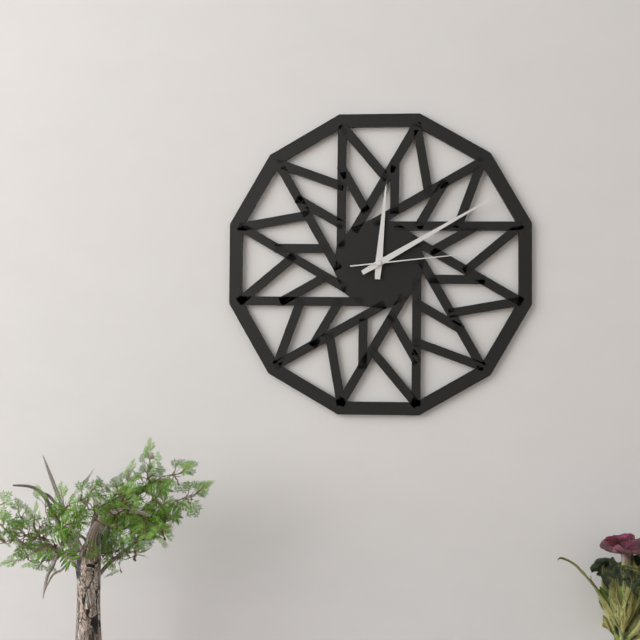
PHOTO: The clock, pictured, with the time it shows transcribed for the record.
12:10:14
